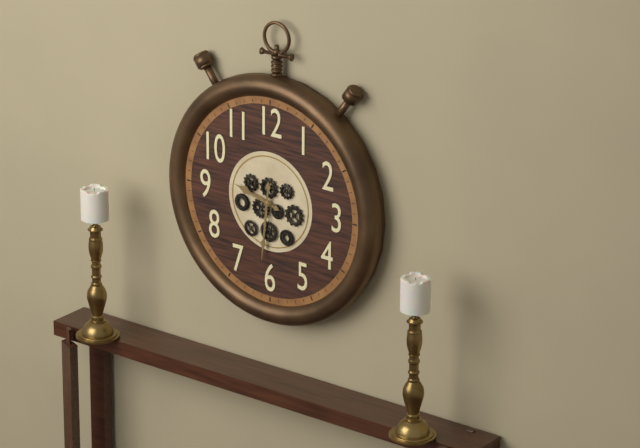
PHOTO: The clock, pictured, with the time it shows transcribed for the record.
9:31
